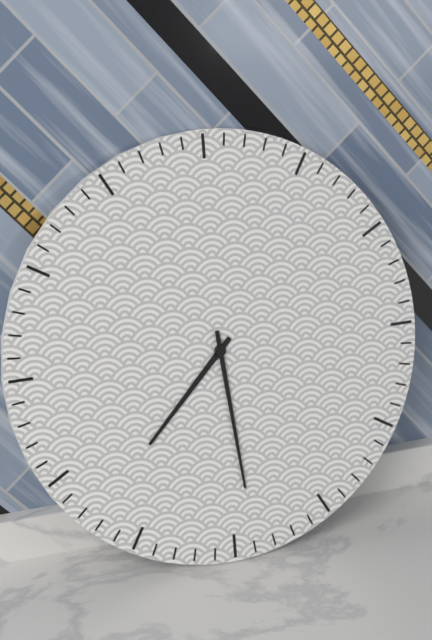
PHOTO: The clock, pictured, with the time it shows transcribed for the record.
7:29
